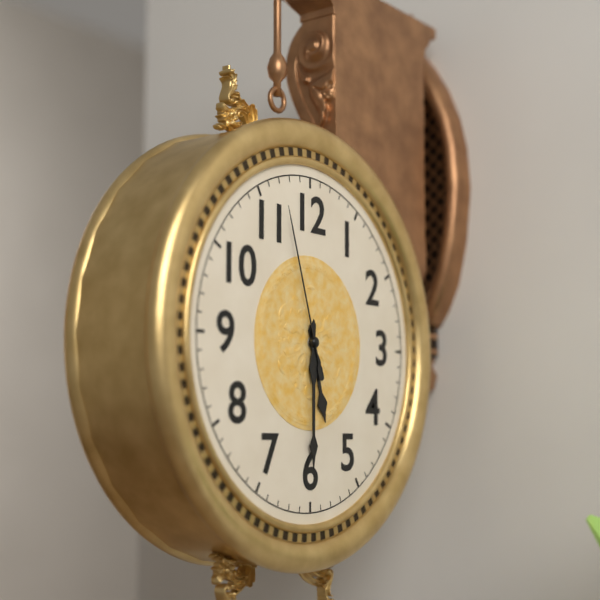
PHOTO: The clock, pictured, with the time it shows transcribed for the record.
5:30:57
